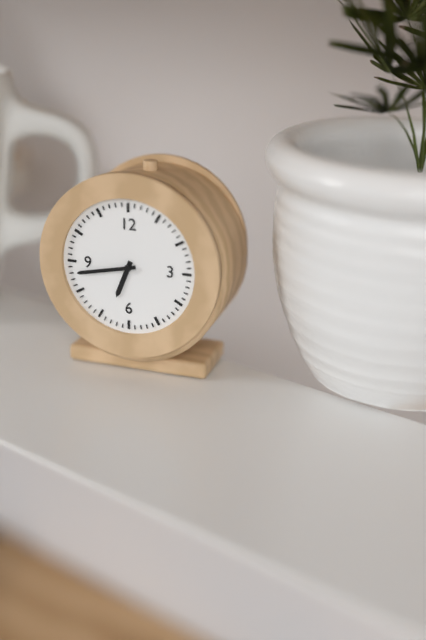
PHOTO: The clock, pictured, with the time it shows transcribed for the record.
6:43
